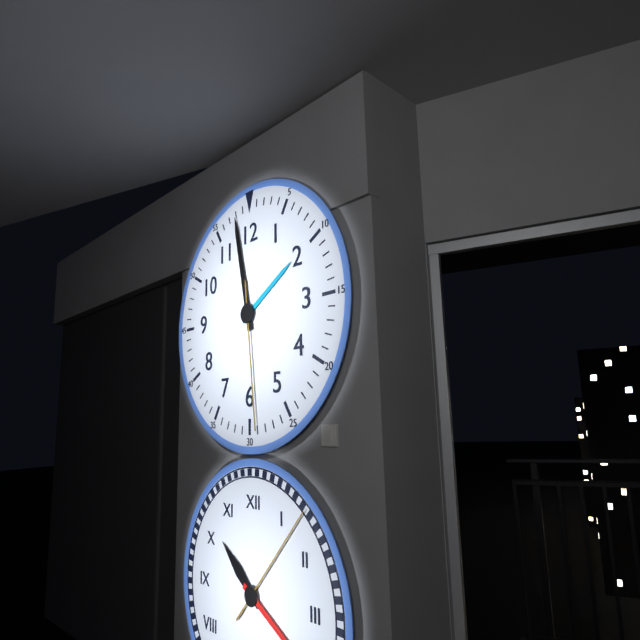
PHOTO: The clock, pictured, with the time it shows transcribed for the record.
1:58:29
